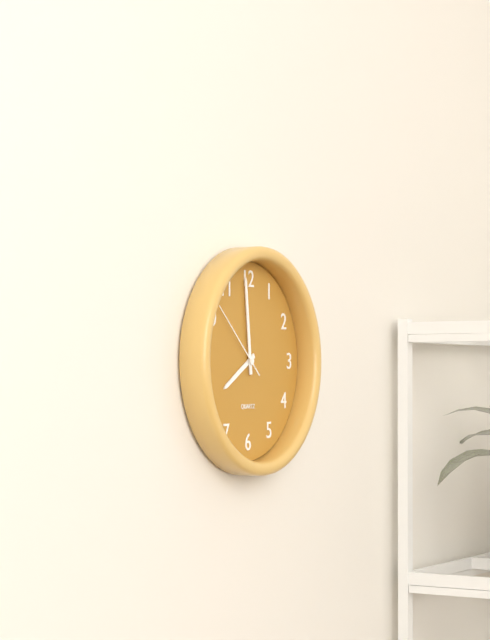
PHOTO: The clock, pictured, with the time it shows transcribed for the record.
7:59:52
